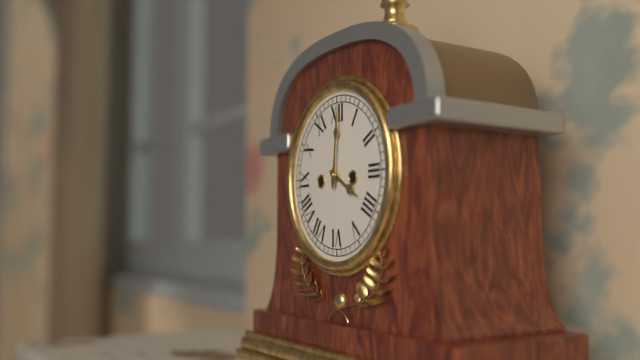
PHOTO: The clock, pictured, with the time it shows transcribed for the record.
4:01
